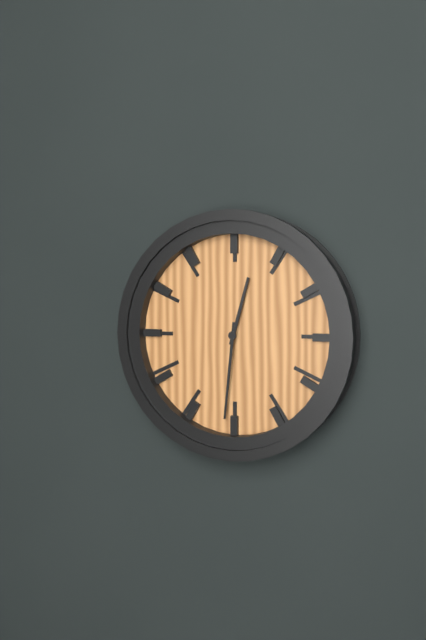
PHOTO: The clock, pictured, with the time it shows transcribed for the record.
12:31
